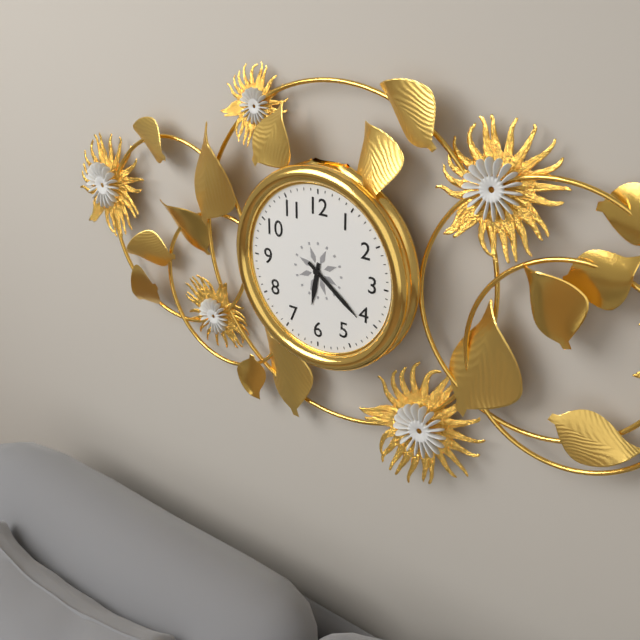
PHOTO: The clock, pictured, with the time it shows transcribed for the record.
6:21
